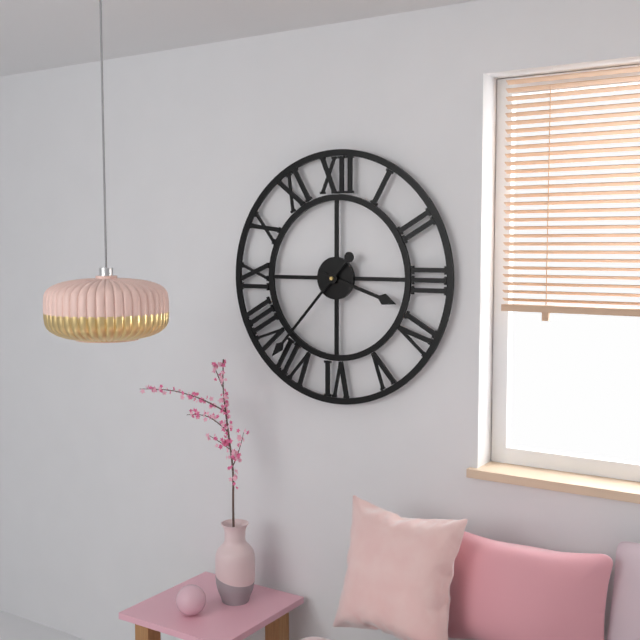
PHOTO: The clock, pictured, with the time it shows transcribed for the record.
3:37
